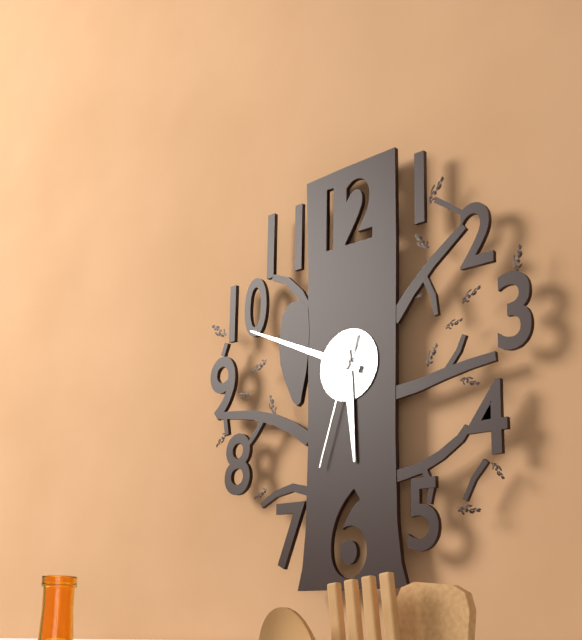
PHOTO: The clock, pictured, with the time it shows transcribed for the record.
5:49:33
